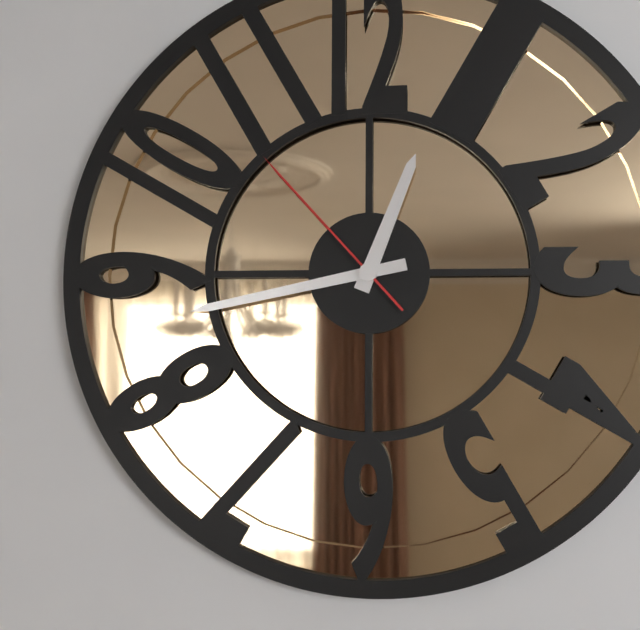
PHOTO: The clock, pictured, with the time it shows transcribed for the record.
12:43:53
